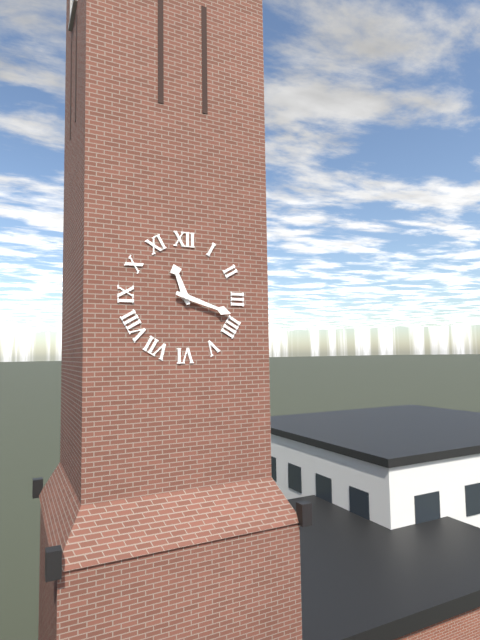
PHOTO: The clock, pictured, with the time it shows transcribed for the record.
11:18
